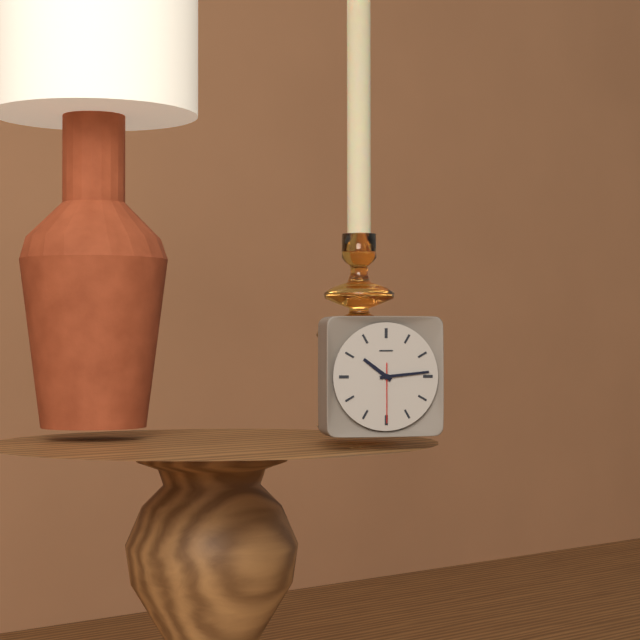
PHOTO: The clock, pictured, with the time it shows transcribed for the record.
10:14:30
